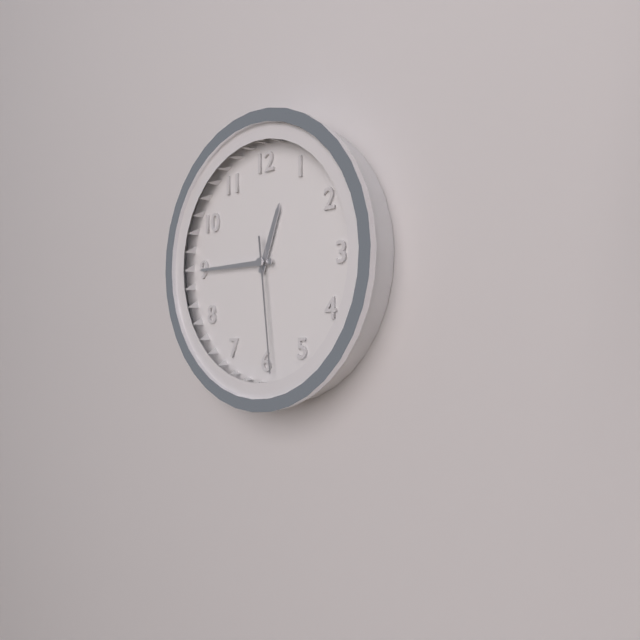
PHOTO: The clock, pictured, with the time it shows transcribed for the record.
12:45:29
